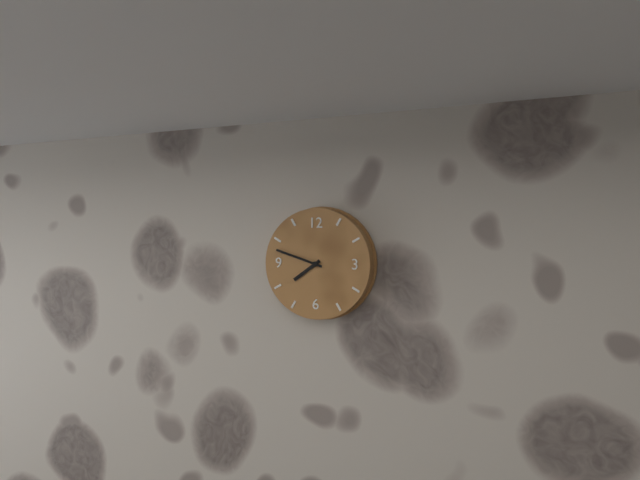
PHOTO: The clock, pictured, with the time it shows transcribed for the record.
7:48
